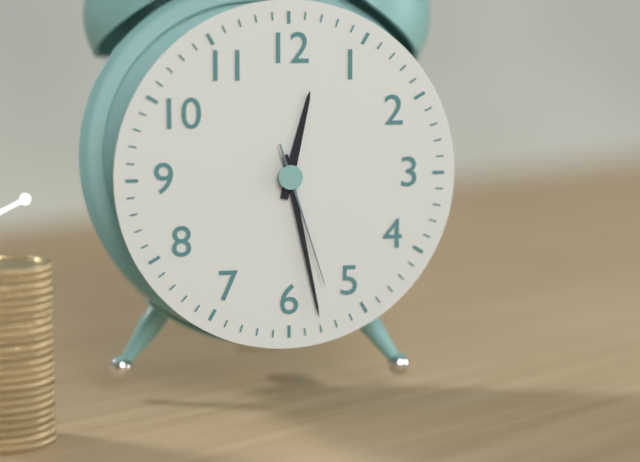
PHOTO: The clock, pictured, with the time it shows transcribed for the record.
12:28:27
